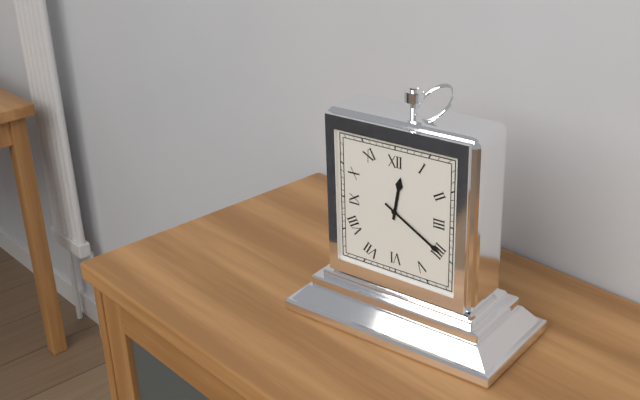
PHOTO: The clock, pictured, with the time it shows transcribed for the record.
12:20
